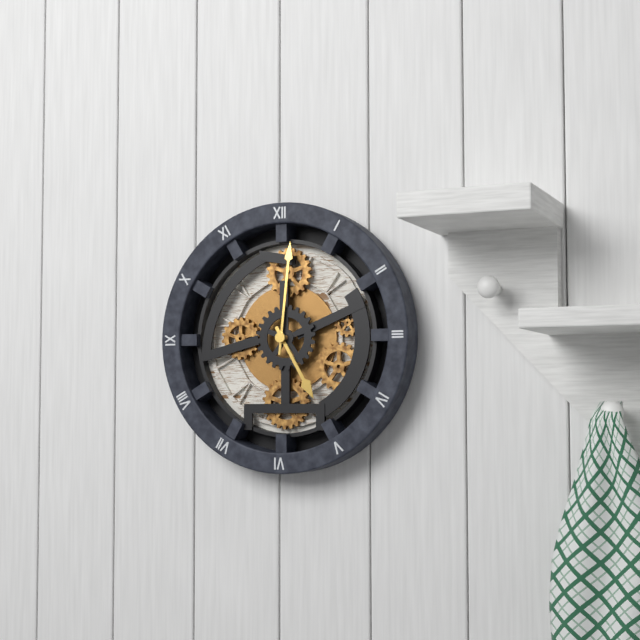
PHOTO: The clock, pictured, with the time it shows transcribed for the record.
5:01
